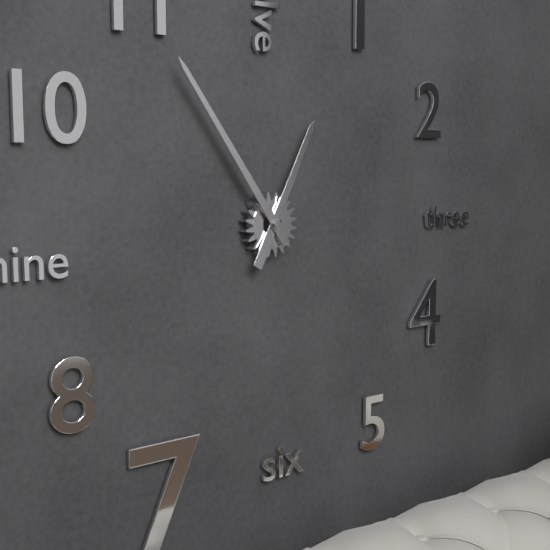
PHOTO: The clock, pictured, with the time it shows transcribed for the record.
12:54
